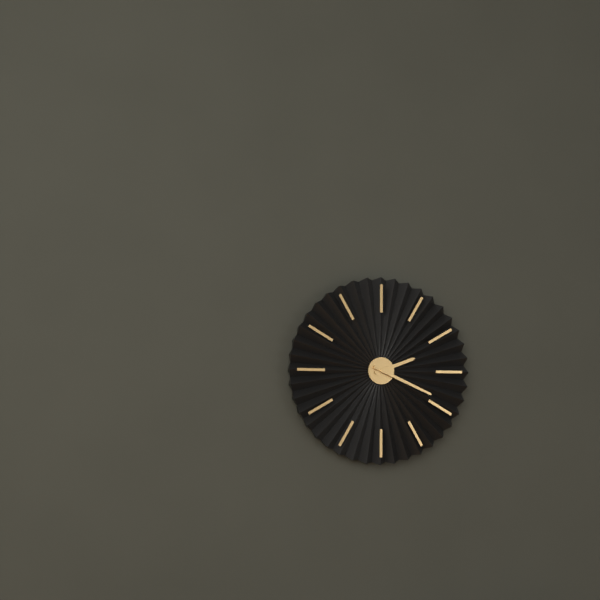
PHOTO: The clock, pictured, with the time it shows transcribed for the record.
2:19
